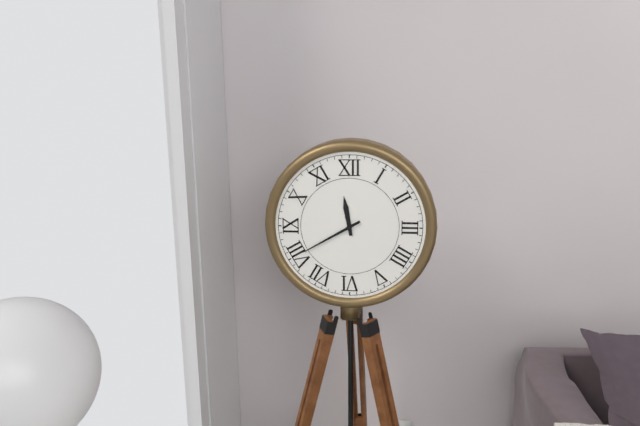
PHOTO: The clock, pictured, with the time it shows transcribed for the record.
11:40
